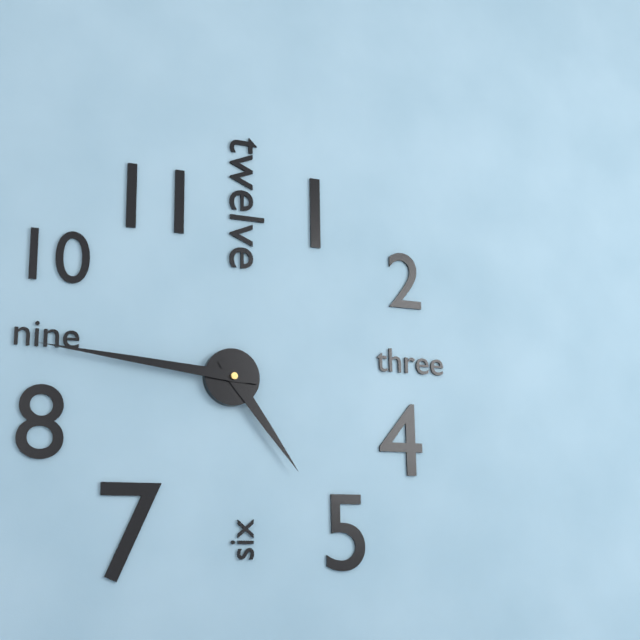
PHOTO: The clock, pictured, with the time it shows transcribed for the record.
4:46
